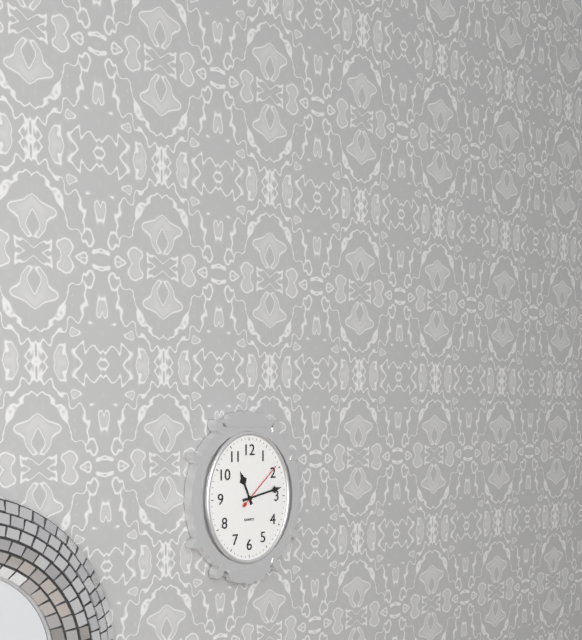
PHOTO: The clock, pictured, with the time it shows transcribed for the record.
11:13:08
